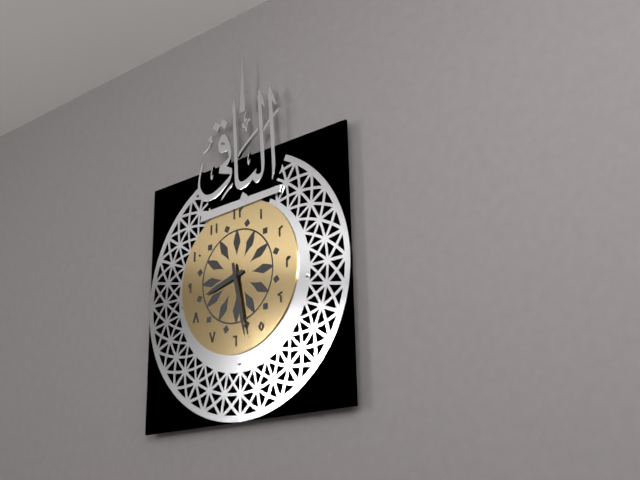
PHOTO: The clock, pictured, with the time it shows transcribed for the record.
8:28
